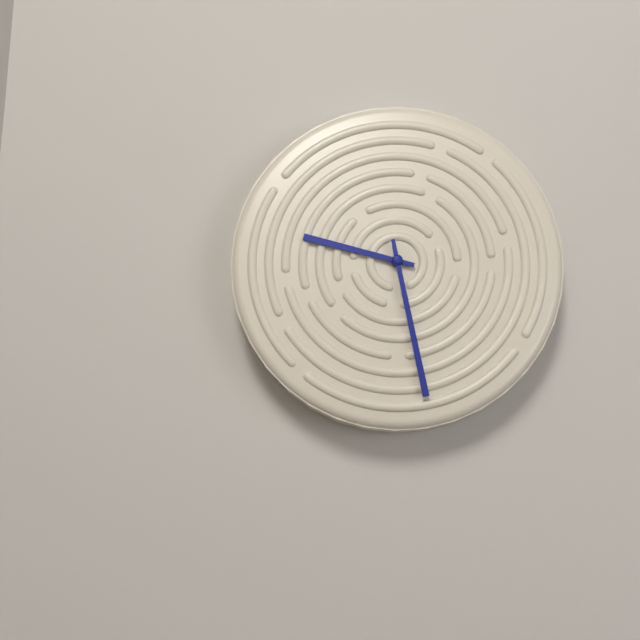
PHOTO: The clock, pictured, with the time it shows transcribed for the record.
9:28
